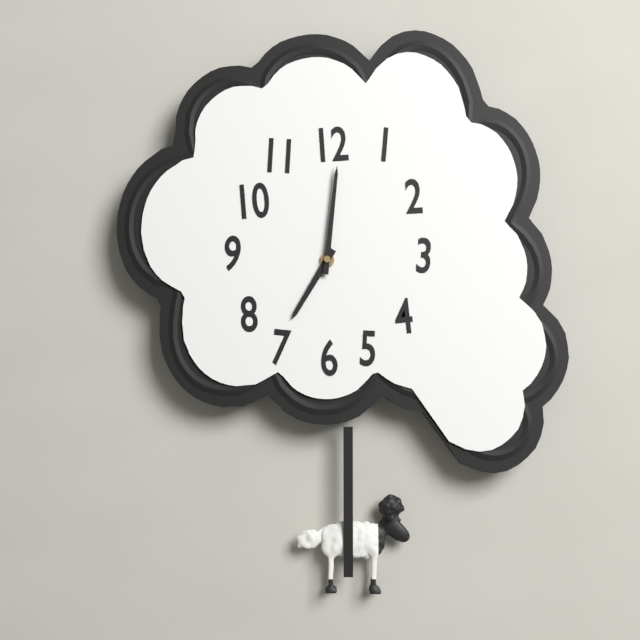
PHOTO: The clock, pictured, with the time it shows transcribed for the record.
7:01
